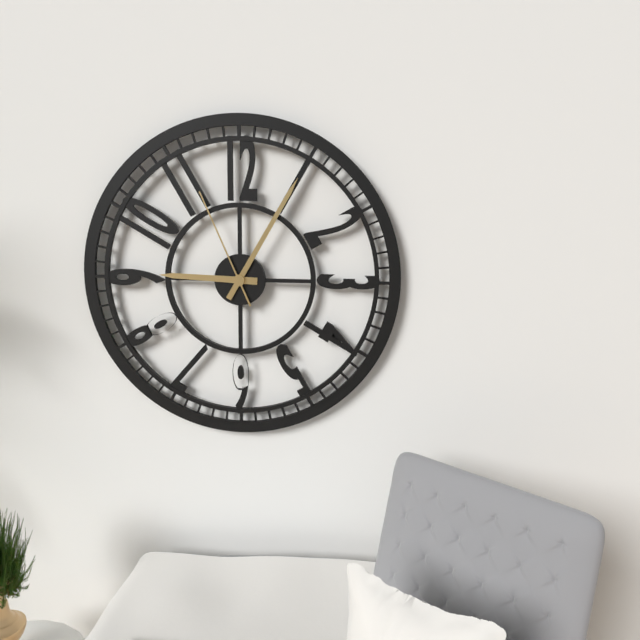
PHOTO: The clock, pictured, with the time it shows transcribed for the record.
9:05:56
